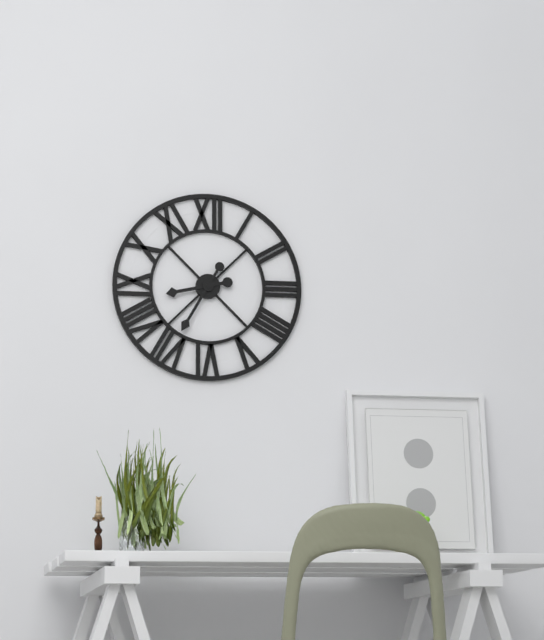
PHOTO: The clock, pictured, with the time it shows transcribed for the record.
8:35
